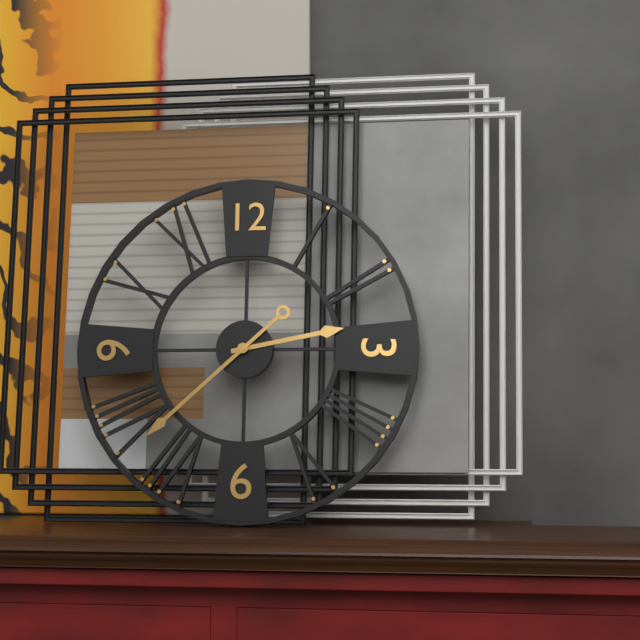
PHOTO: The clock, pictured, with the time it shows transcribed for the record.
2:38
